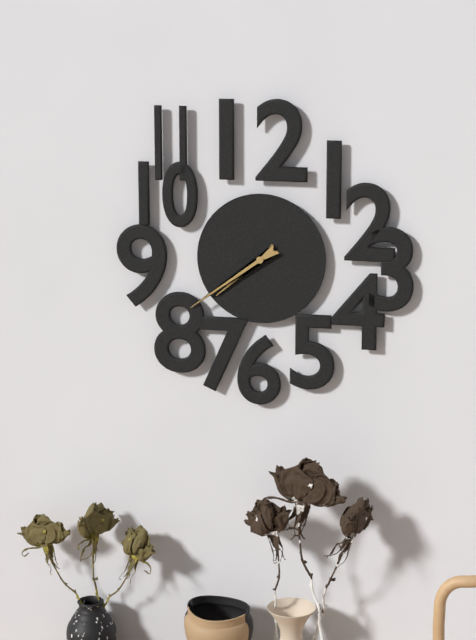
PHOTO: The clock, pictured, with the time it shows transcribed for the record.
7:39
